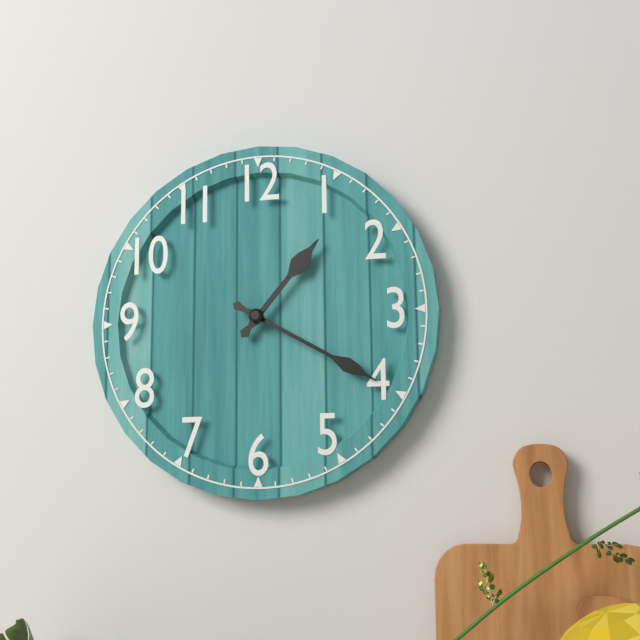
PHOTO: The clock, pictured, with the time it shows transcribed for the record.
1:20
